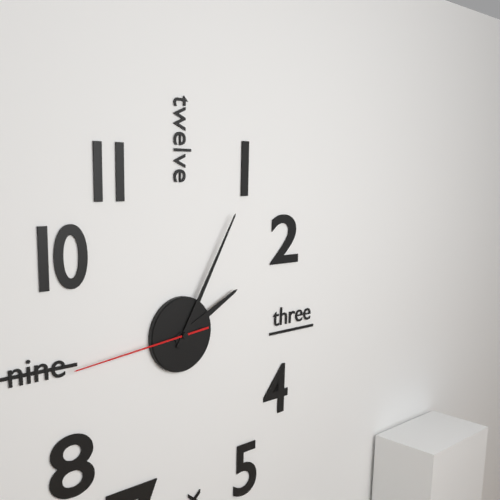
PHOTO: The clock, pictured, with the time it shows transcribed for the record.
2:05:44
